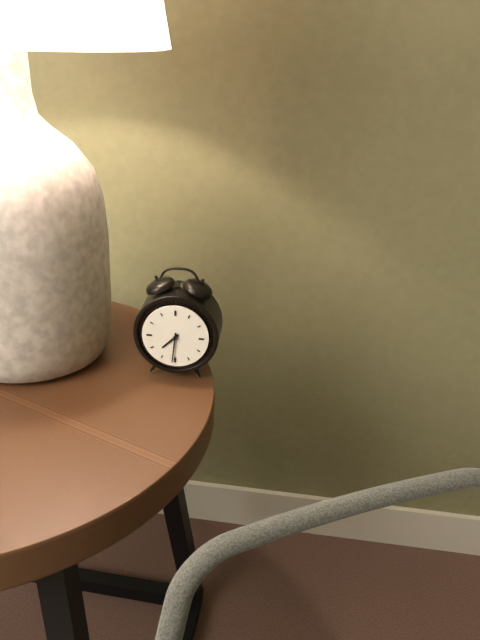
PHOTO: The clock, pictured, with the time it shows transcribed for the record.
7:31
